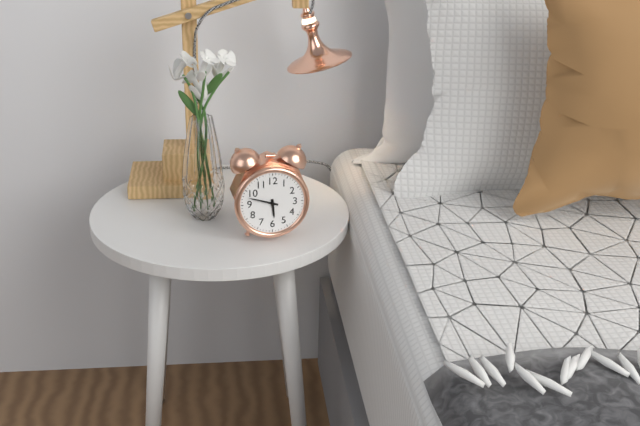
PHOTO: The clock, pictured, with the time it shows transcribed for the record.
5:48
